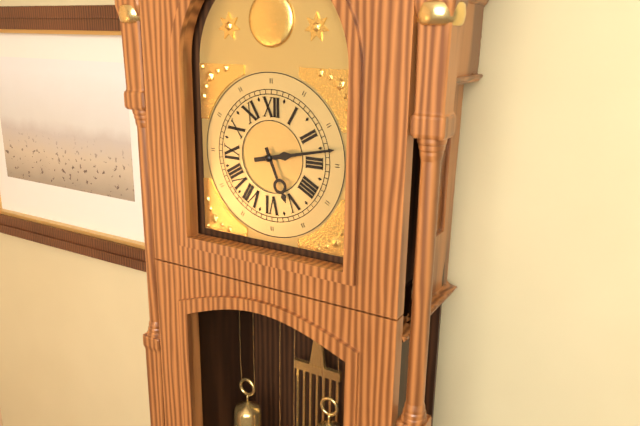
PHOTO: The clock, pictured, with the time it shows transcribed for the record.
5:13
